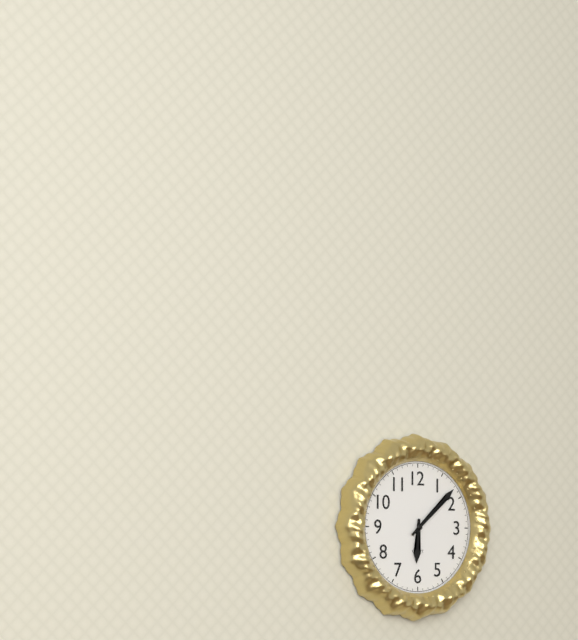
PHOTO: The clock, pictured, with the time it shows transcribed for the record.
6:08
